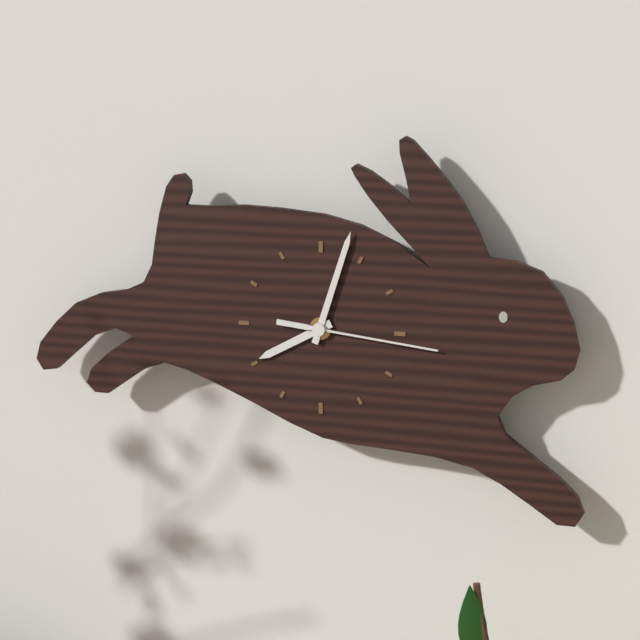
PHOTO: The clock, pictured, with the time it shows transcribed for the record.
8:03:16
